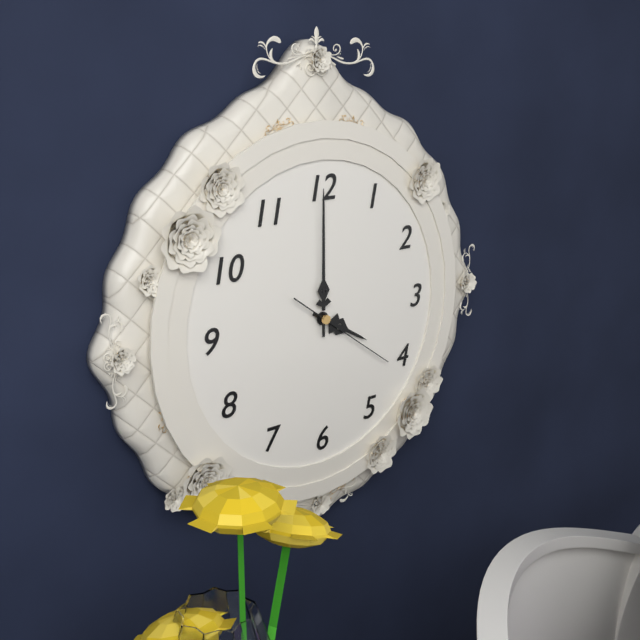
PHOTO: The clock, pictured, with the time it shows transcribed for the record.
4:00:21
